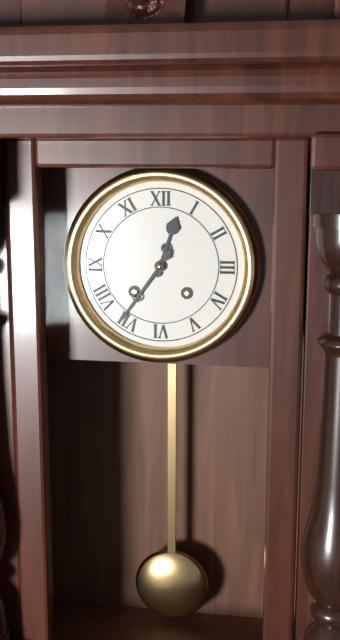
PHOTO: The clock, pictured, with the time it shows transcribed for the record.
12:36
